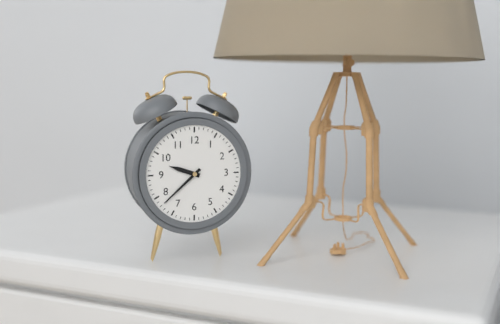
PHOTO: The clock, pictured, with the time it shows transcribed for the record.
9:38
